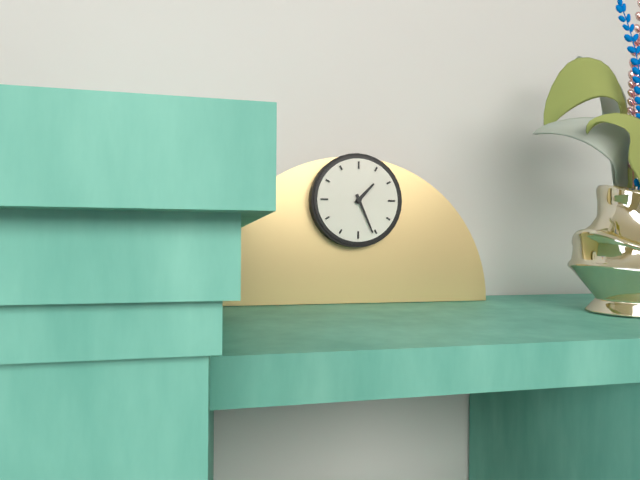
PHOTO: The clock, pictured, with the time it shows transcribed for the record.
1:26
